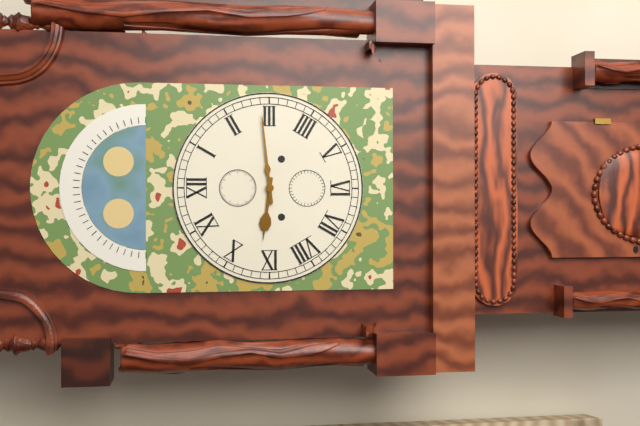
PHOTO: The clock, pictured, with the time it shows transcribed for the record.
9:14
